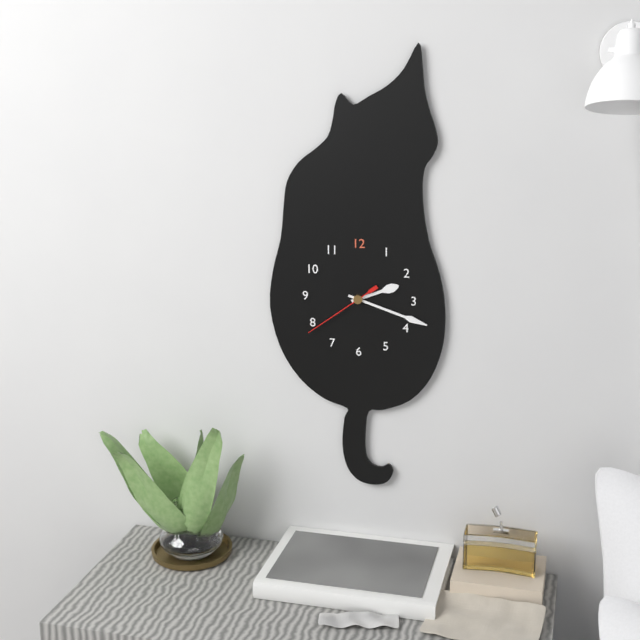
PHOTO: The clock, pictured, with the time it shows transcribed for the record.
2:18:39
